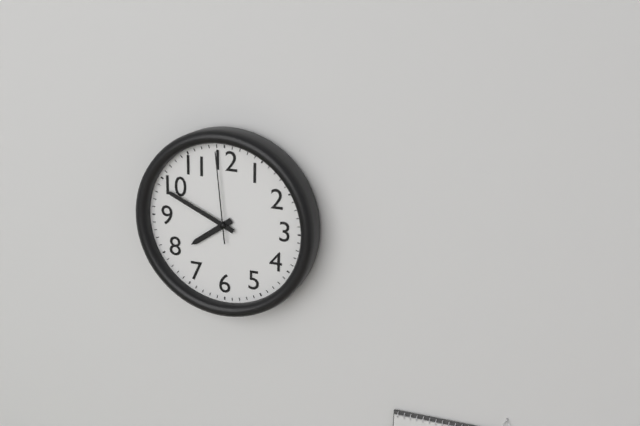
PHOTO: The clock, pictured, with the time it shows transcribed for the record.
7:49:59
